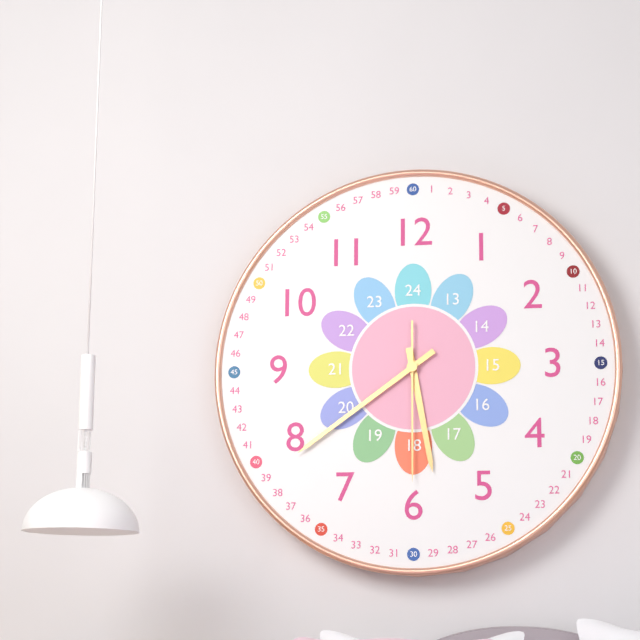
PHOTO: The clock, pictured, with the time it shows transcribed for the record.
5:39:30
